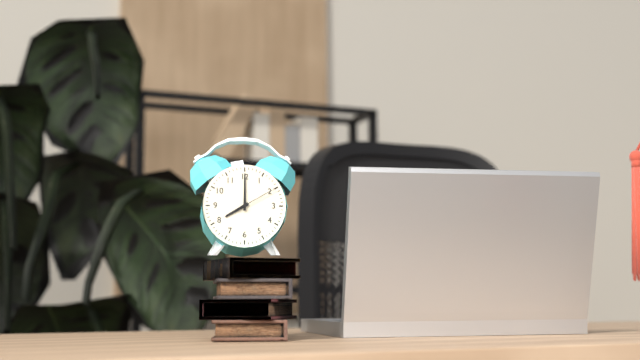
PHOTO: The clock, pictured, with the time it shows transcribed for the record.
8:00
